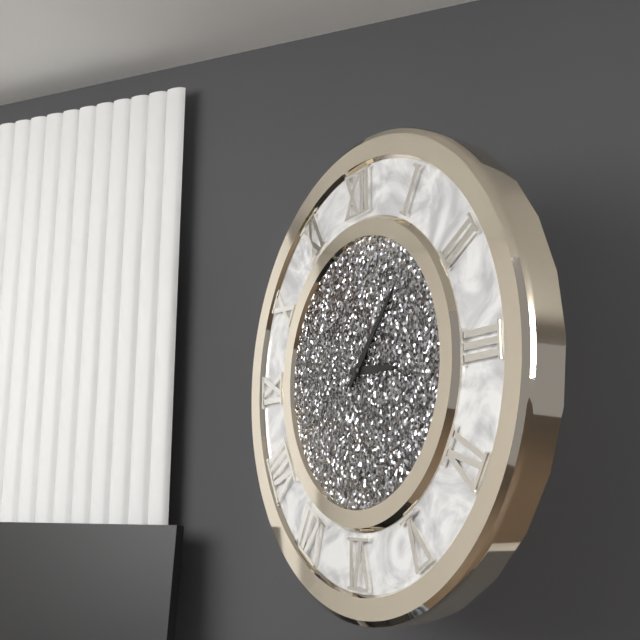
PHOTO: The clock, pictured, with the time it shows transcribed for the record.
3:07
